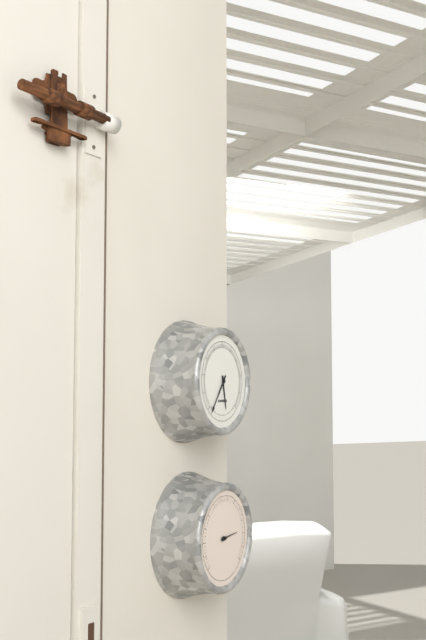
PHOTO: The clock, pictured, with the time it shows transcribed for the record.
5:36
